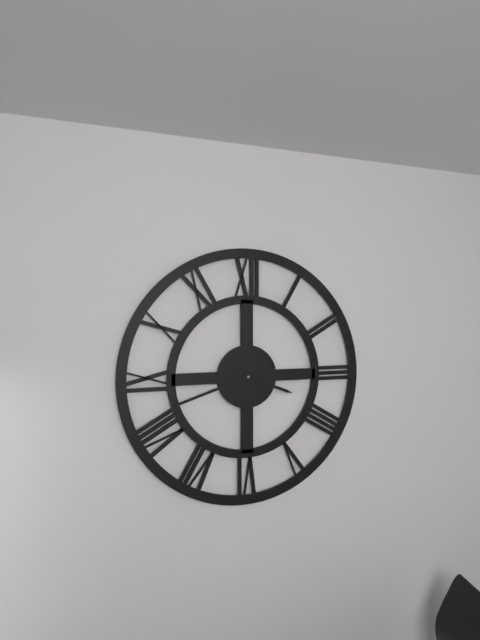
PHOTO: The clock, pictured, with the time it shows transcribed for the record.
3:42
